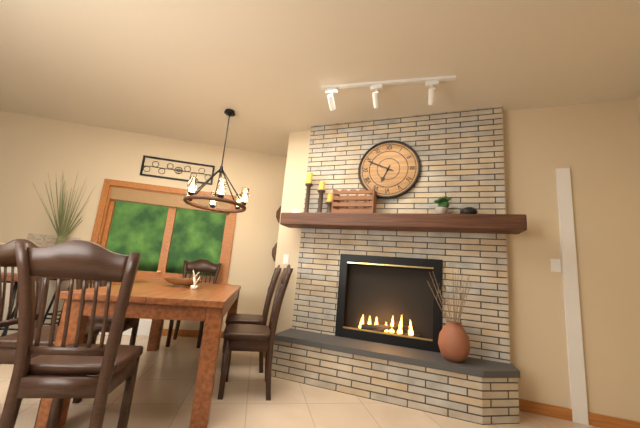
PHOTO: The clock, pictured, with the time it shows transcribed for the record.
6:49
